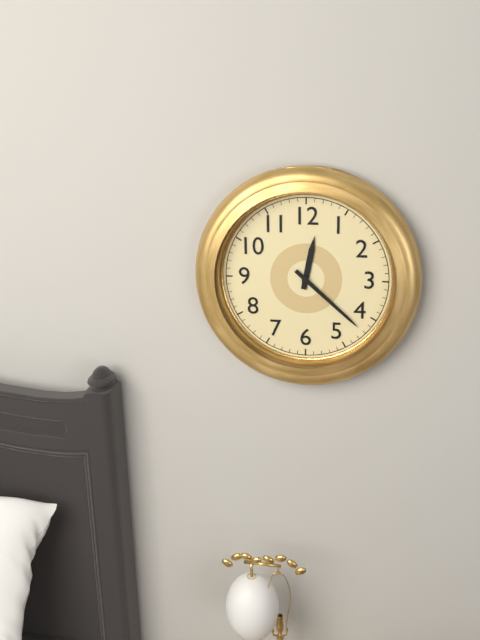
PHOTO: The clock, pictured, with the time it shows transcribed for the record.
12:22
